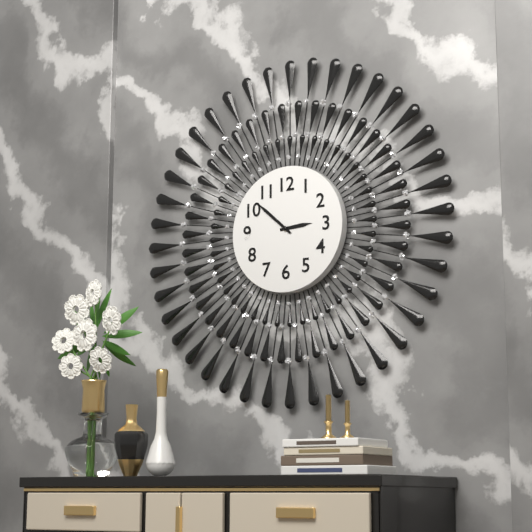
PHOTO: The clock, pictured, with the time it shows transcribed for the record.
2:52
